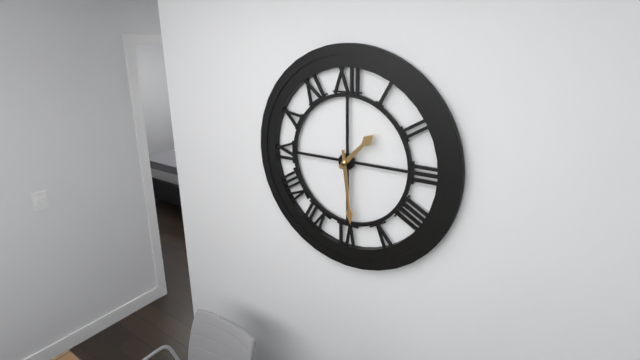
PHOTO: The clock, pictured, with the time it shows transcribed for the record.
1:29
